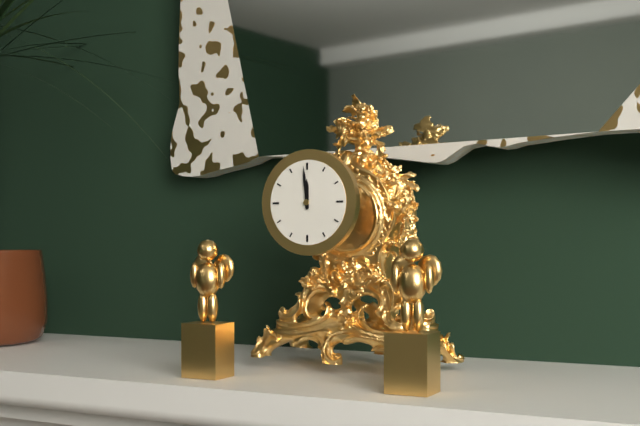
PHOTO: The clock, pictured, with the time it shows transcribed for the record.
11:59
